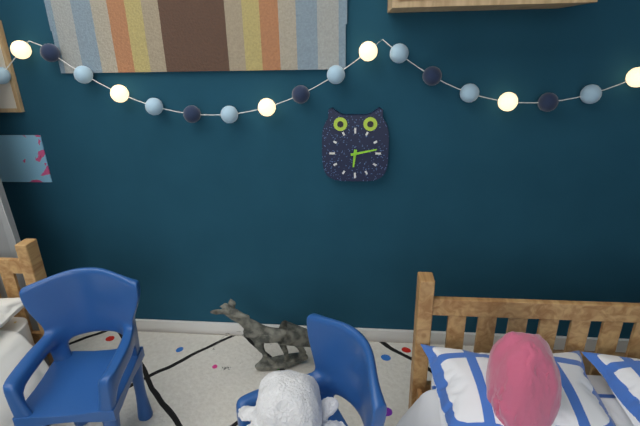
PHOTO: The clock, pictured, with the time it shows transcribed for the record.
6:13
